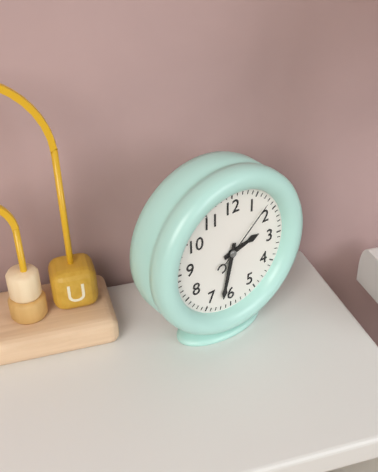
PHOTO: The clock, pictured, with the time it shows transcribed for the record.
2:32:08
